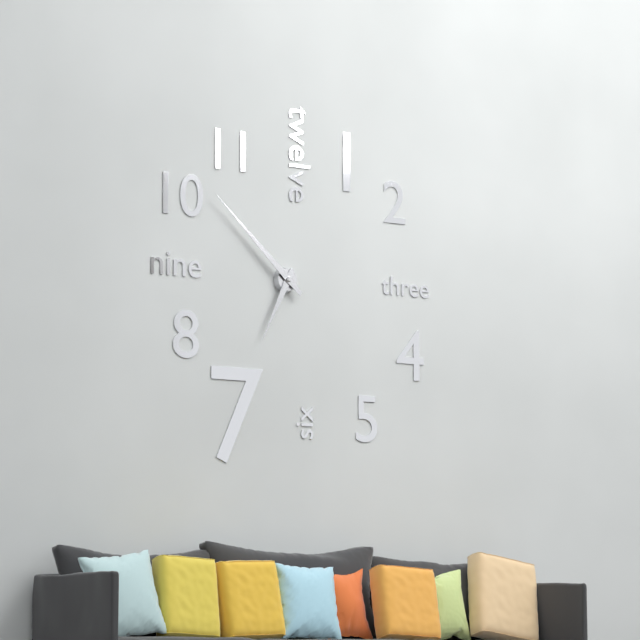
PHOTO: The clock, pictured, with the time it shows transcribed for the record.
6:52
